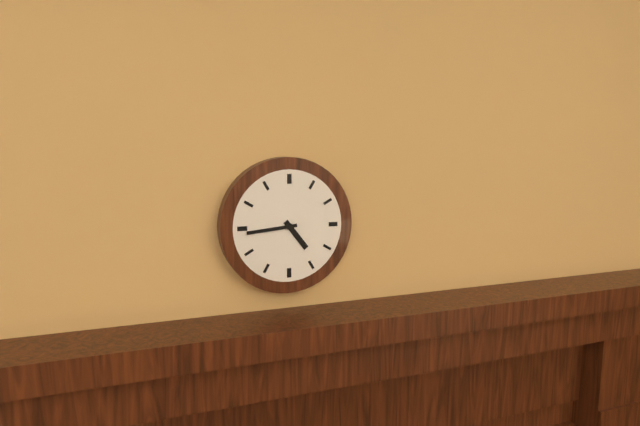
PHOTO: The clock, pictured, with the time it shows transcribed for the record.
4:44
